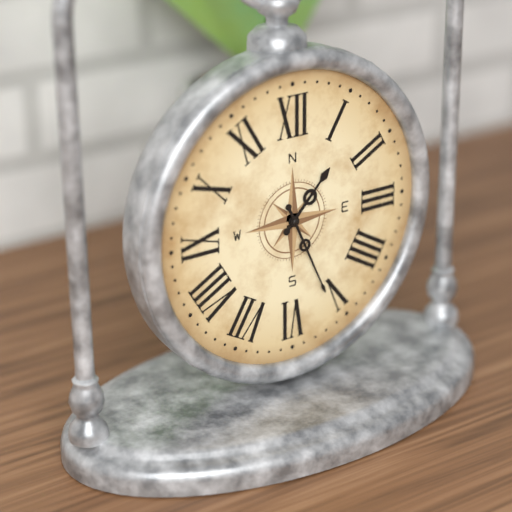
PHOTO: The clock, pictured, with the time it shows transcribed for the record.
1:26
